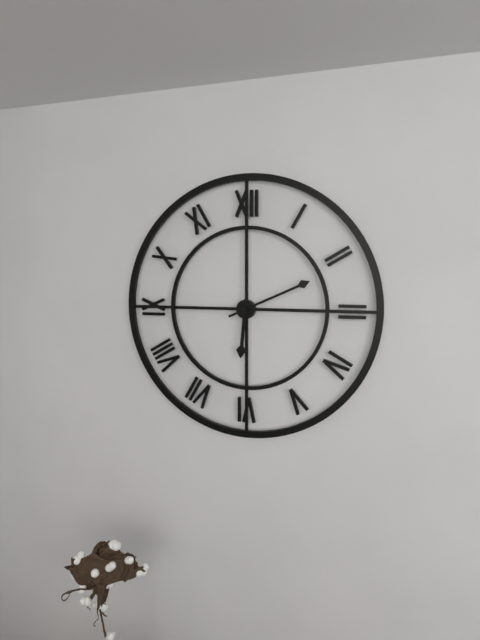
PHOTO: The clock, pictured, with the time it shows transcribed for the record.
6:11
